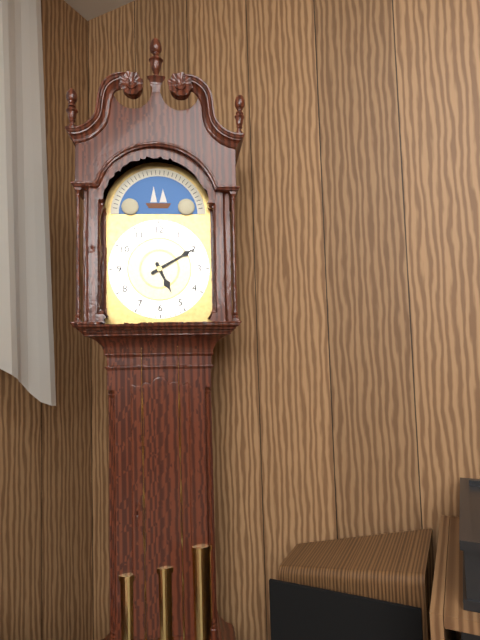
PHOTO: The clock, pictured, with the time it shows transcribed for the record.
5:10
